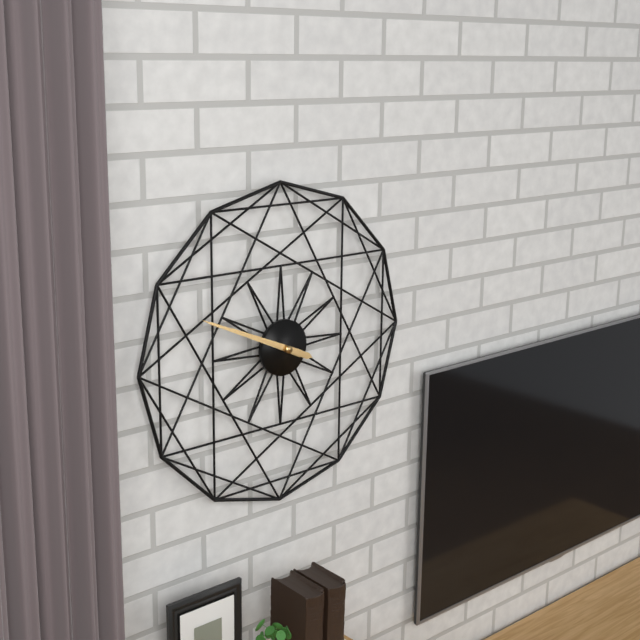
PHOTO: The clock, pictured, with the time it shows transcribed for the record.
9:49
